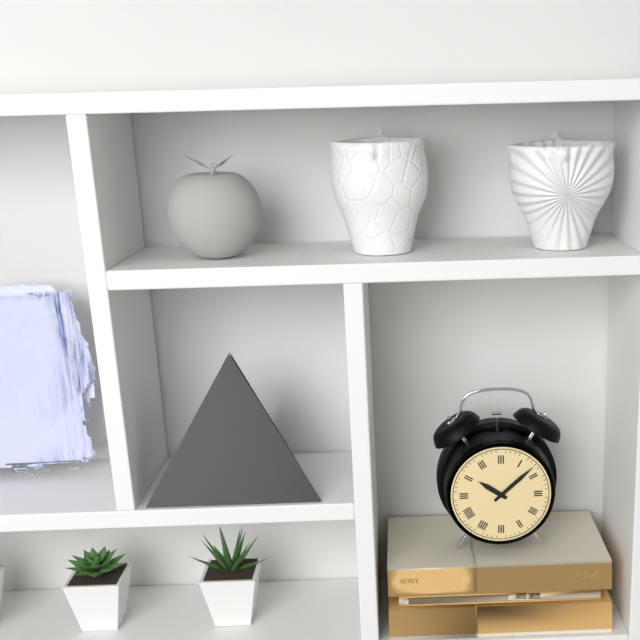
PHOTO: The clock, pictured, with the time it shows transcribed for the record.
10:08
